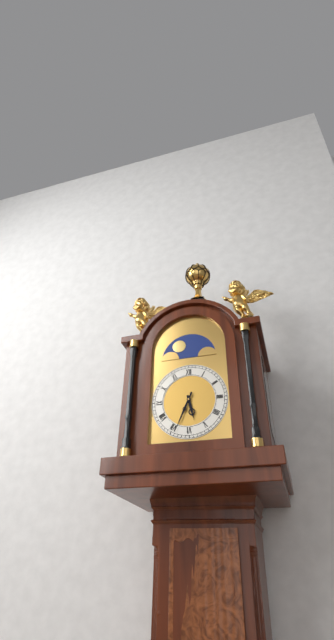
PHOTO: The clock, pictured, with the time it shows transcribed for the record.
5:34
